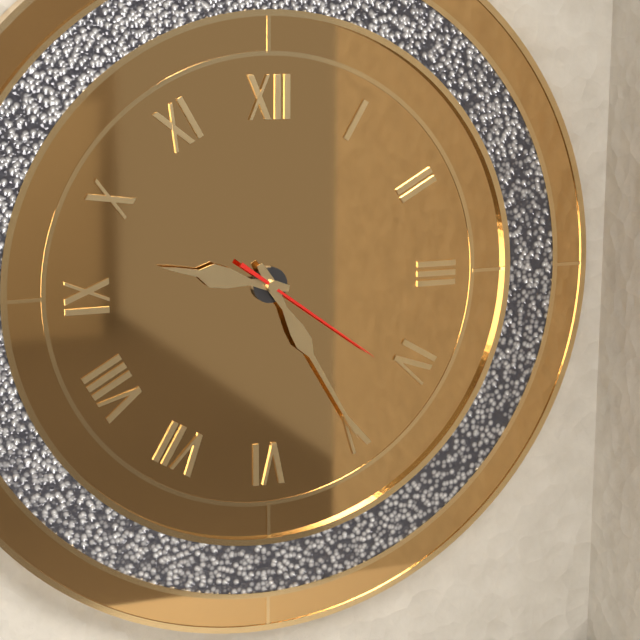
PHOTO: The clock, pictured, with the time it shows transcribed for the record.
9:25:21
